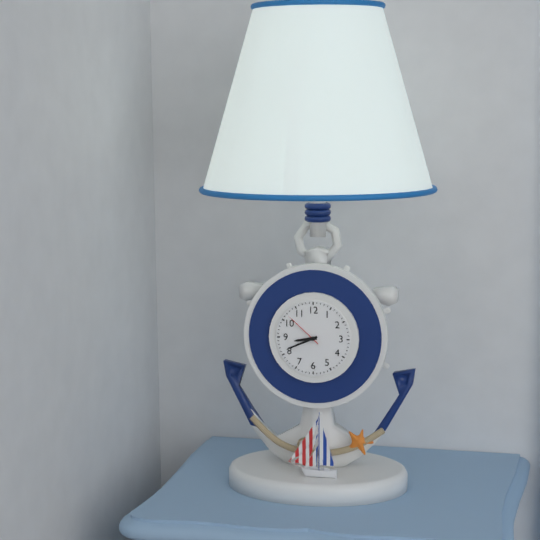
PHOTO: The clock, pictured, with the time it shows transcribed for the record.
8:41
